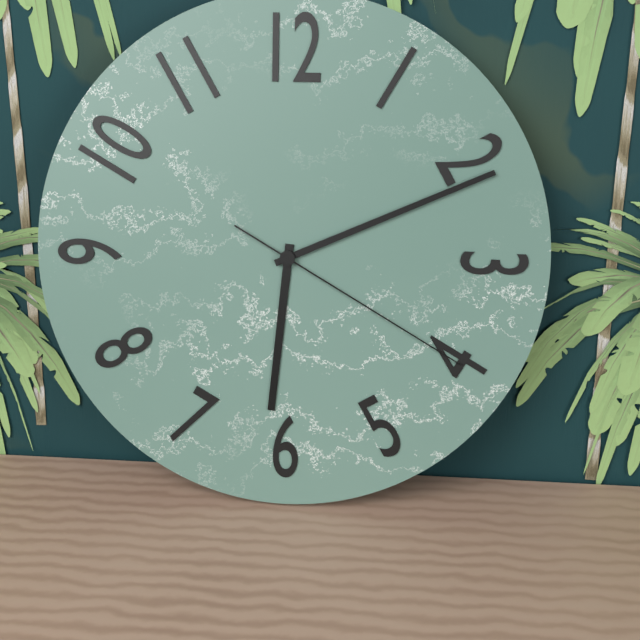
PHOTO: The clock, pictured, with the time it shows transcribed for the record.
6:11:20
